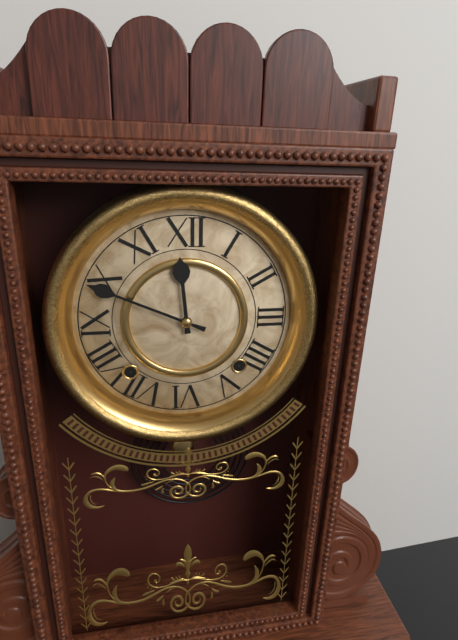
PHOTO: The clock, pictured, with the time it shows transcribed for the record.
11:49
